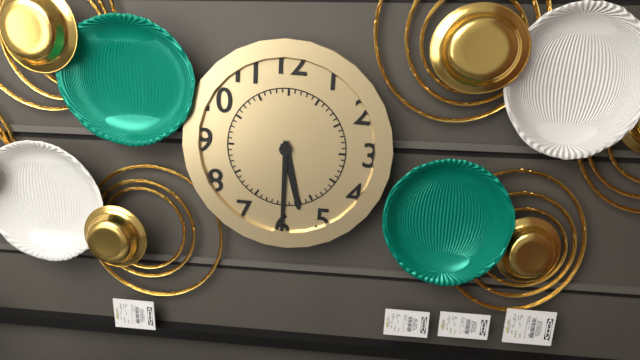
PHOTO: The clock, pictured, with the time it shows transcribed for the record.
5:30
